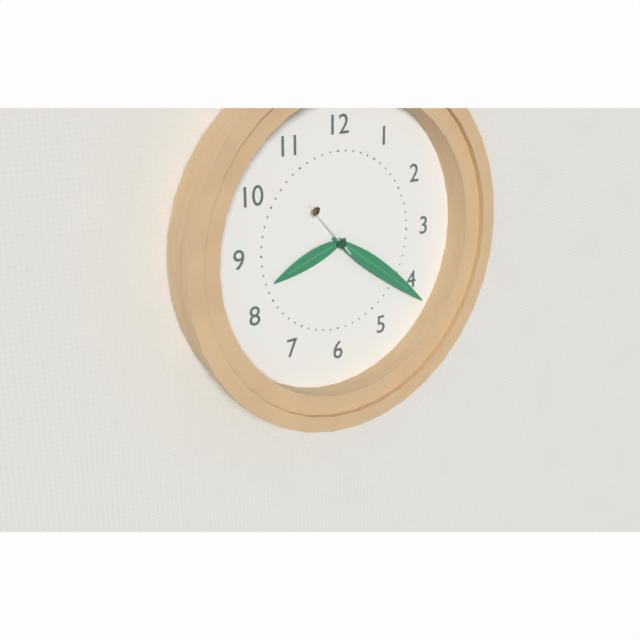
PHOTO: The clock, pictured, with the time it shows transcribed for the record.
8:21:53
